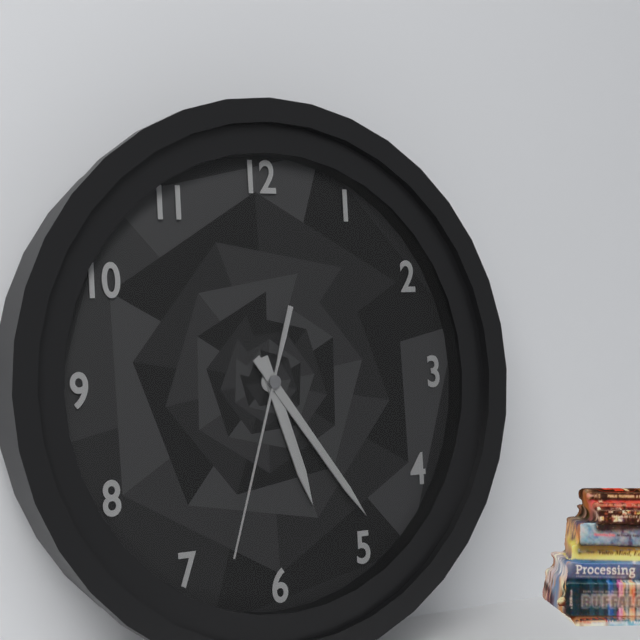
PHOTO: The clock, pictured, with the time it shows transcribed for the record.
5:24:33
